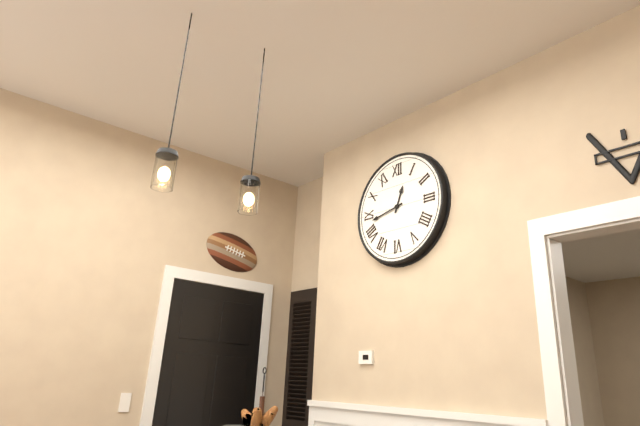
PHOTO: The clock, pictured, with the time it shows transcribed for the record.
12:43
